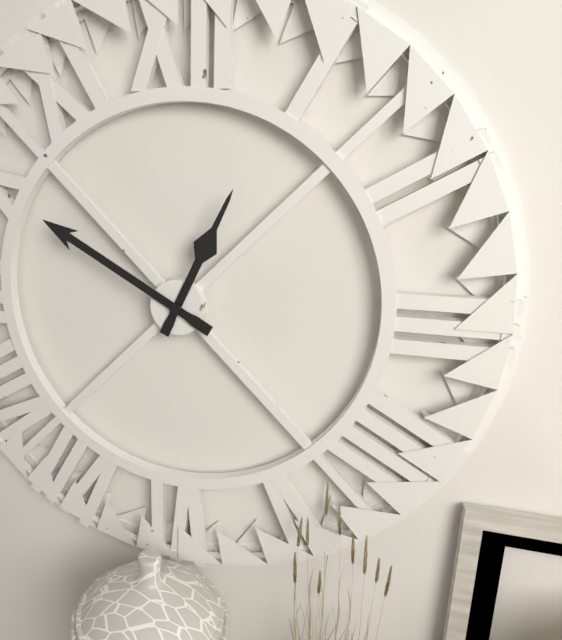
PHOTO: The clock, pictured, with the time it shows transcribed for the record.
12:50
